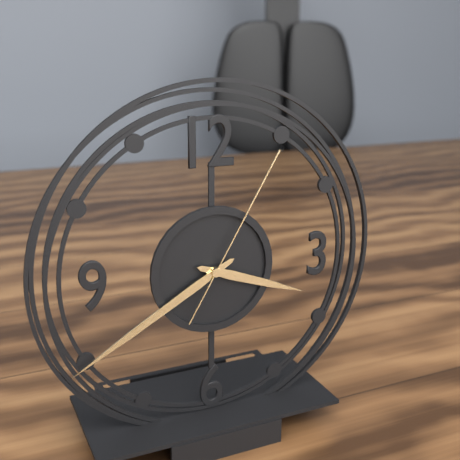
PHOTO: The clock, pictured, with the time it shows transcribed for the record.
3:40:05
